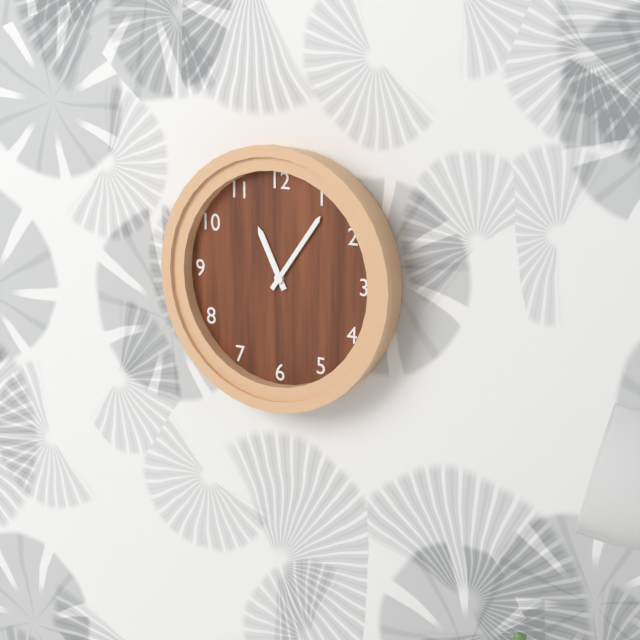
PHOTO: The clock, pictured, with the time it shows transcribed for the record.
11:06
